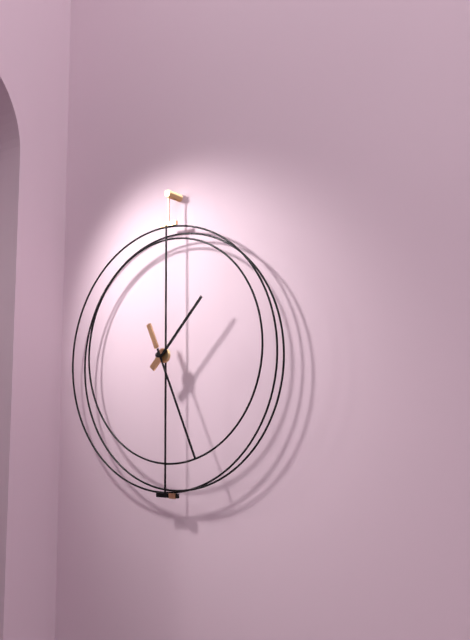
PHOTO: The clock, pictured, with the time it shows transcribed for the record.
1:26
